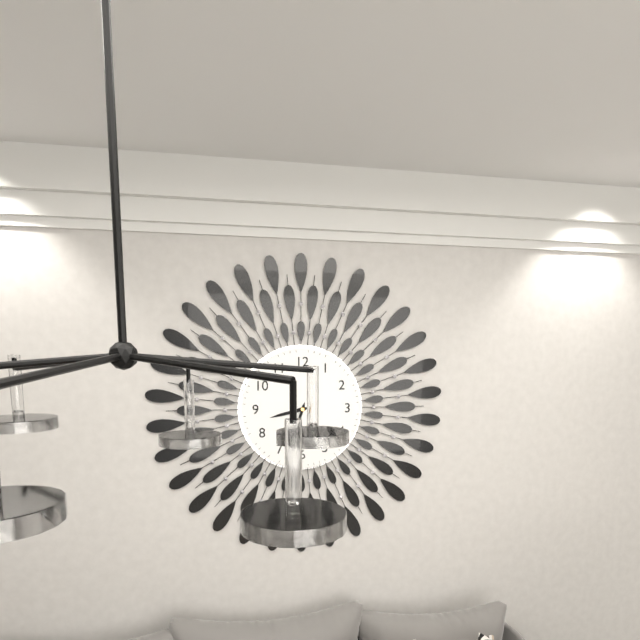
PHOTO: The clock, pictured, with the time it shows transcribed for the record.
8:33
